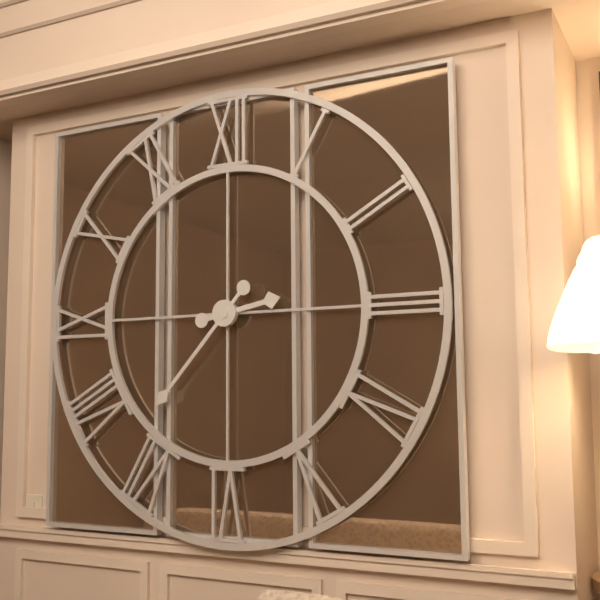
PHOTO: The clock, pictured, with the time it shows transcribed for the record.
2:37
